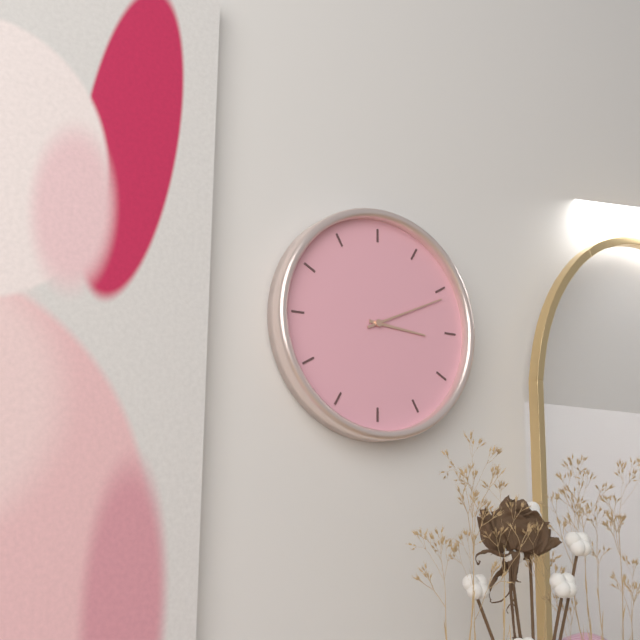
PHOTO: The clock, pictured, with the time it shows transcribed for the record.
3:11
